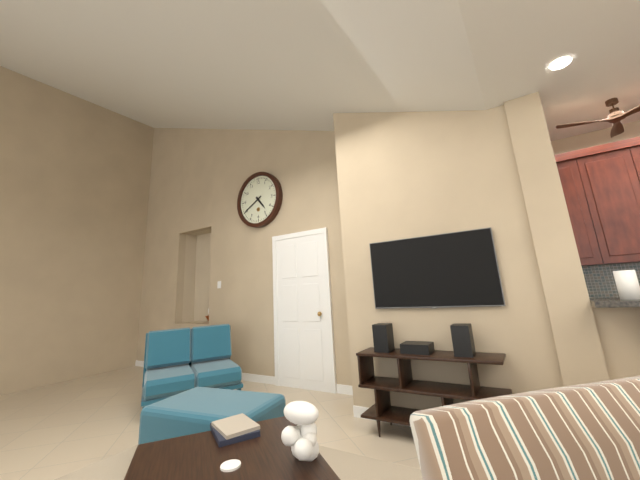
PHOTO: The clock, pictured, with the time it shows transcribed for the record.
4:40
